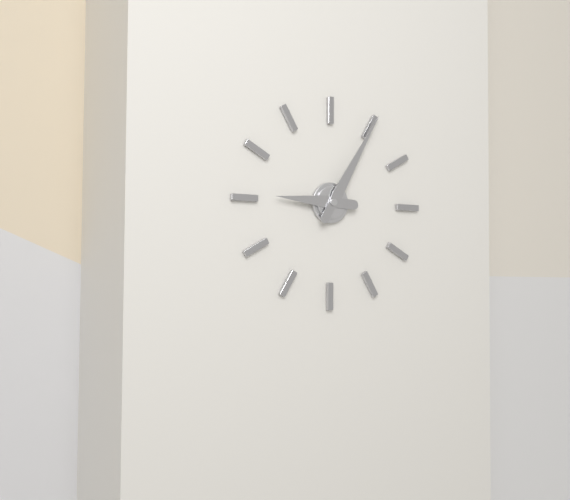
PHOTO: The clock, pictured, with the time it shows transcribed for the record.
9:05
